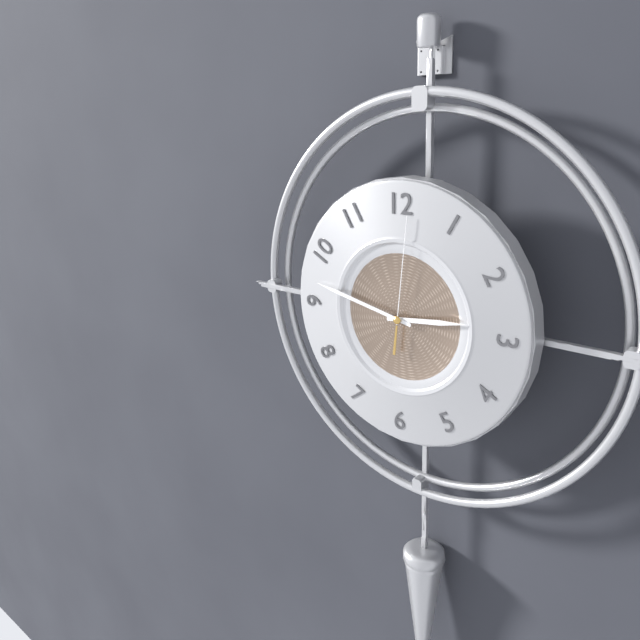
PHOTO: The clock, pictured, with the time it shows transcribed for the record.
2:47:01
